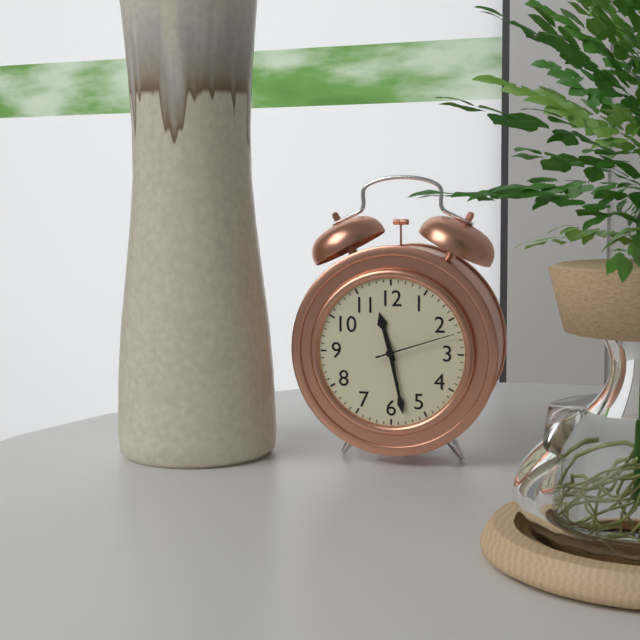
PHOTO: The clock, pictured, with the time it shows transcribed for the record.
11:28:12
